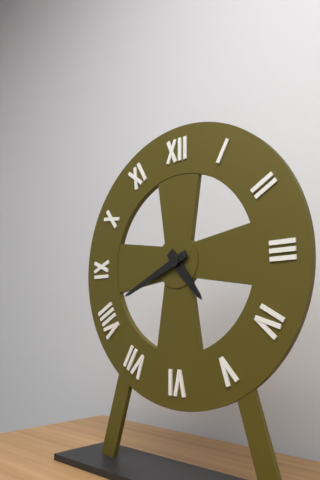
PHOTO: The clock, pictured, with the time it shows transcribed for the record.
4:41
